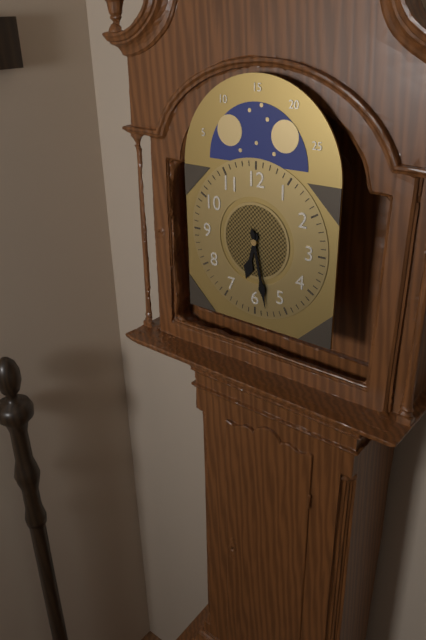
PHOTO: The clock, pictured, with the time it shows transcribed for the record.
6:28
